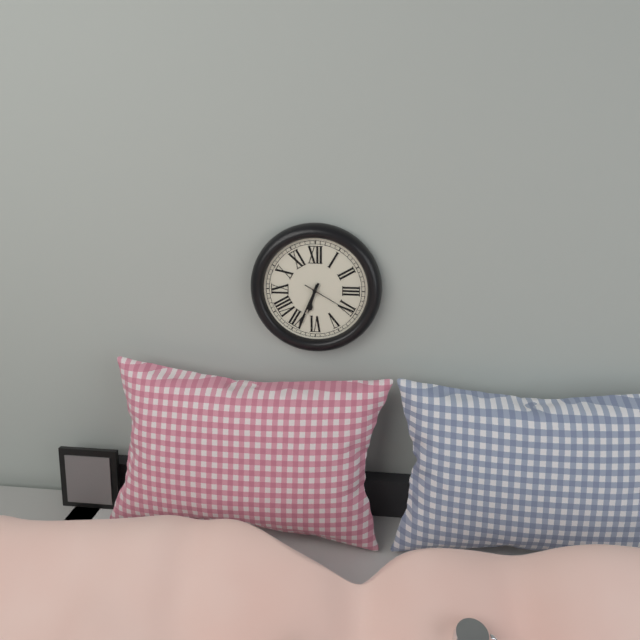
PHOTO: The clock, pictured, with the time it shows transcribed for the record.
6:34:20
